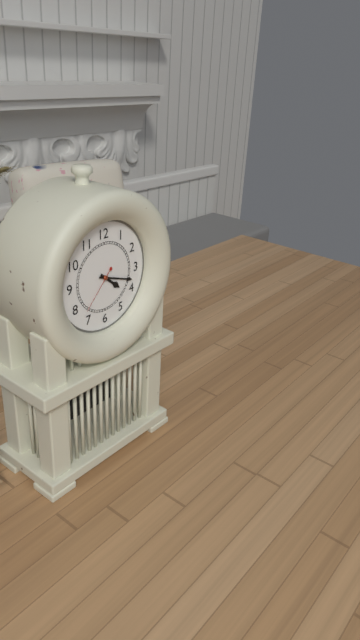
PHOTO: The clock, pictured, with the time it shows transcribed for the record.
4:18
